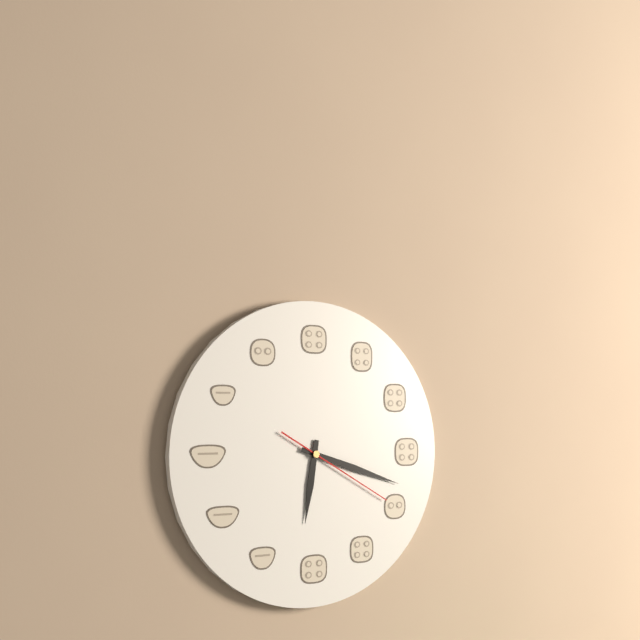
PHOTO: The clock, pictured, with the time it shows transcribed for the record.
6:18:20
